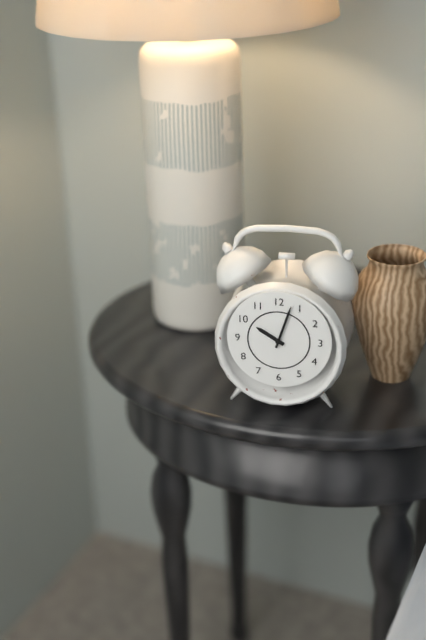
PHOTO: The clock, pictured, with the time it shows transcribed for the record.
10:03
